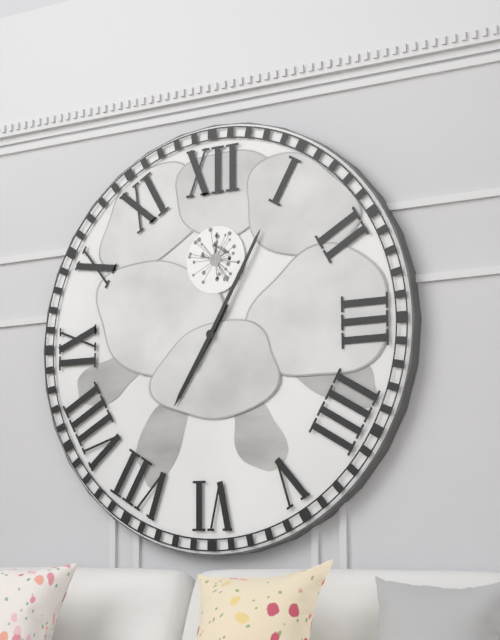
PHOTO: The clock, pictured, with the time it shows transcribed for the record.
7:05
